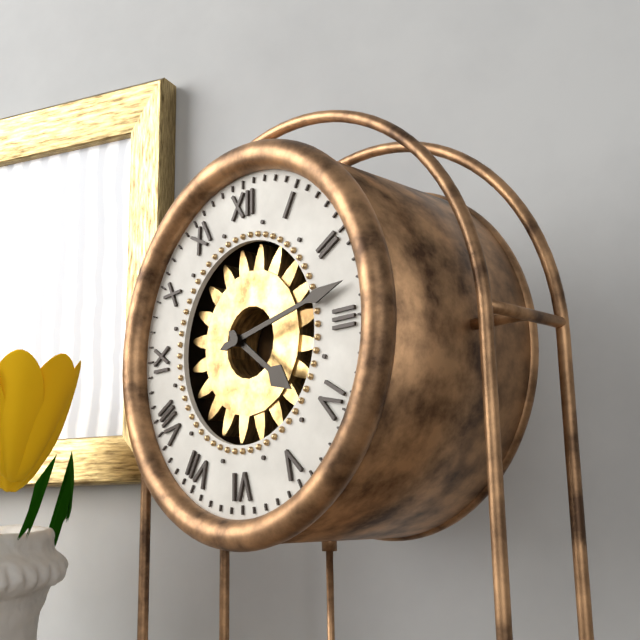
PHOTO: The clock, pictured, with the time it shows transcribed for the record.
4:13
